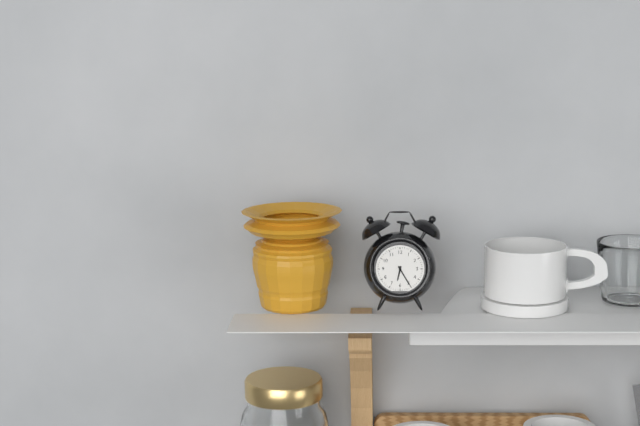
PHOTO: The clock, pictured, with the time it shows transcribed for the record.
6:25
